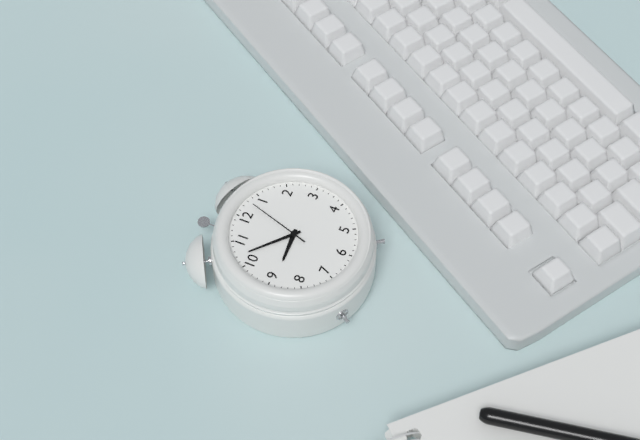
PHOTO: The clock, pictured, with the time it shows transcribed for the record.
8:52:03
